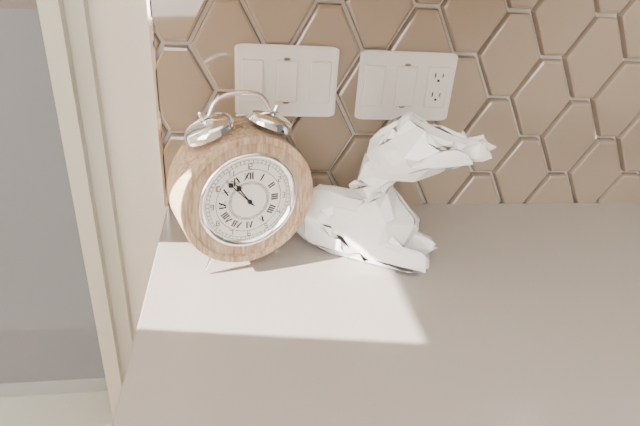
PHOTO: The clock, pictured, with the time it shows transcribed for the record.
10:53
